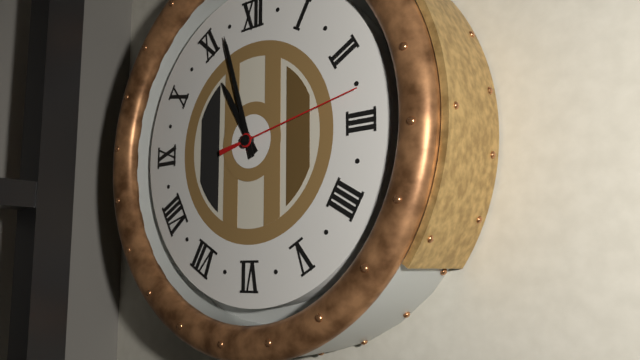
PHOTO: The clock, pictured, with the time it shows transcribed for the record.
10:57:13
